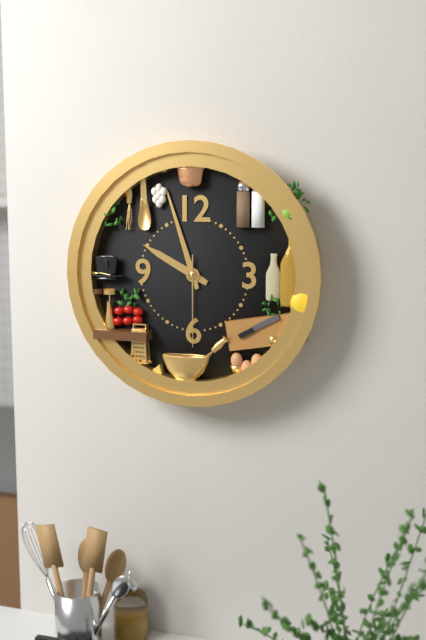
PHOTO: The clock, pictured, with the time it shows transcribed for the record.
9:57:30
